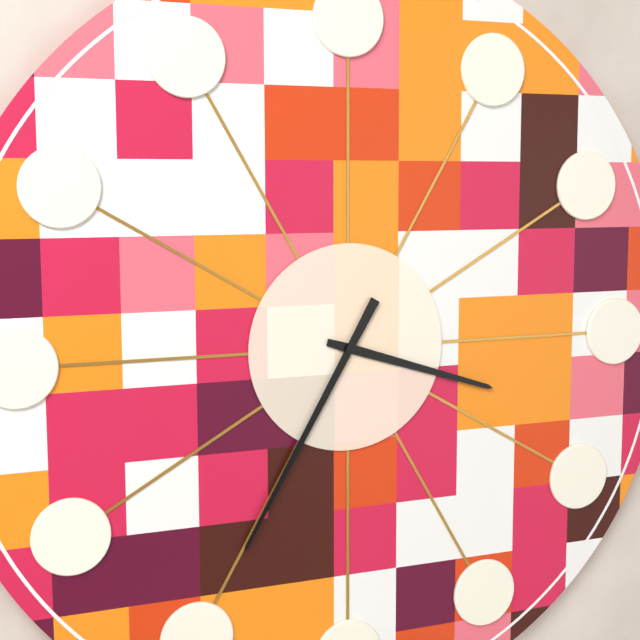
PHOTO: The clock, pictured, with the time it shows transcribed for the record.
3:35
